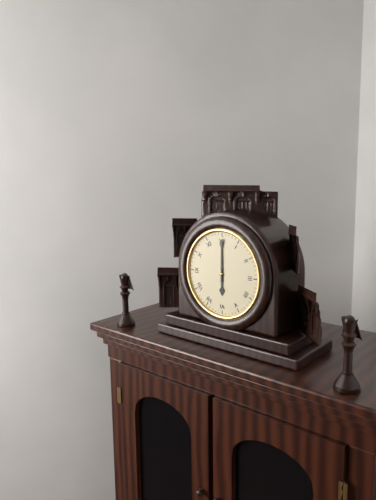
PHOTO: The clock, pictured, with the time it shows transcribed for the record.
6:00
